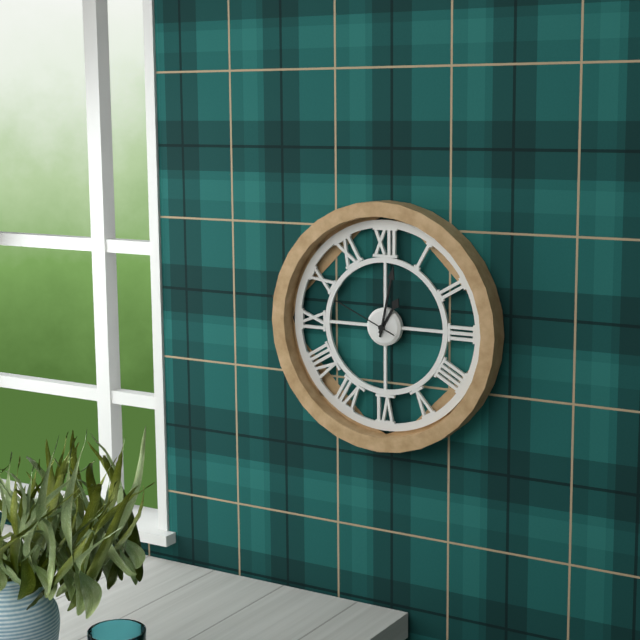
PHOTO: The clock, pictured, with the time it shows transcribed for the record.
1:02:49
